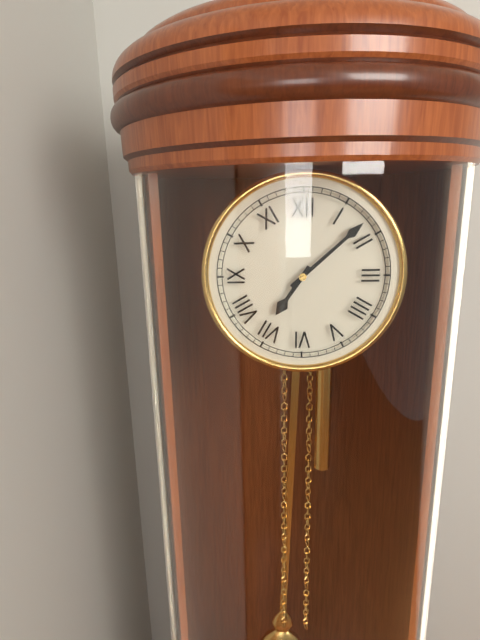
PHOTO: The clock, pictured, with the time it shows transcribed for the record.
7:08
